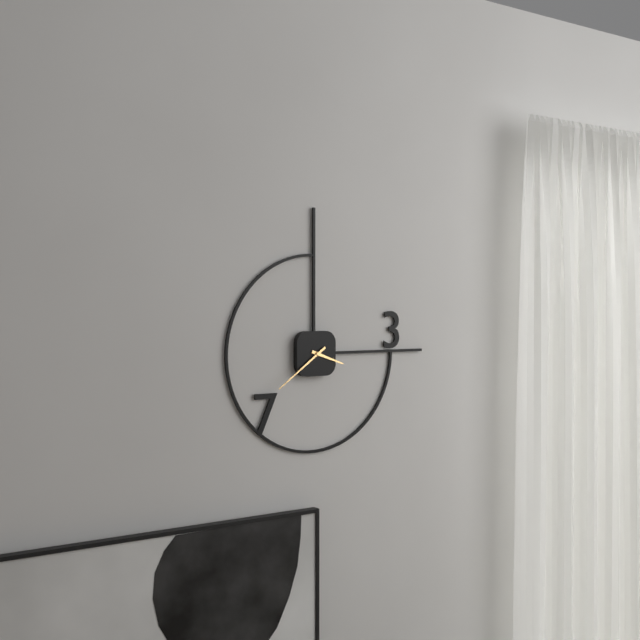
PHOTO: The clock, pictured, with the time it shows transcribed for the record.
3:39
